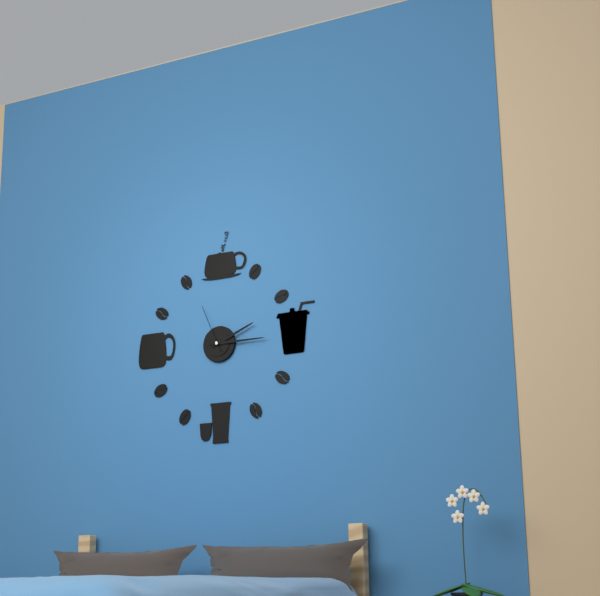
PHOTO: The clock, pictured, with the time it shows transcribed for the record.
2:15:56
